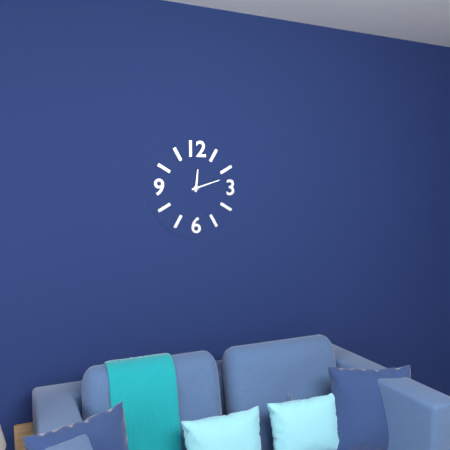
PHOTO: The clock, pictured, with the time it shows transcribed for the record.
12:12
